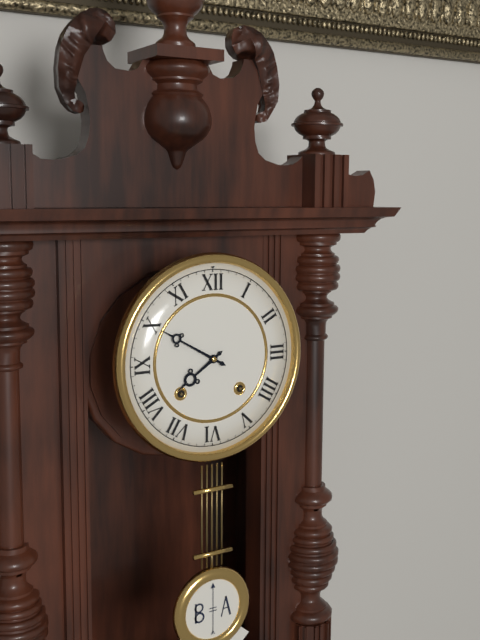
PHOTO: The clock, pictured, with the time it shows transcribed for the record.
7:50
